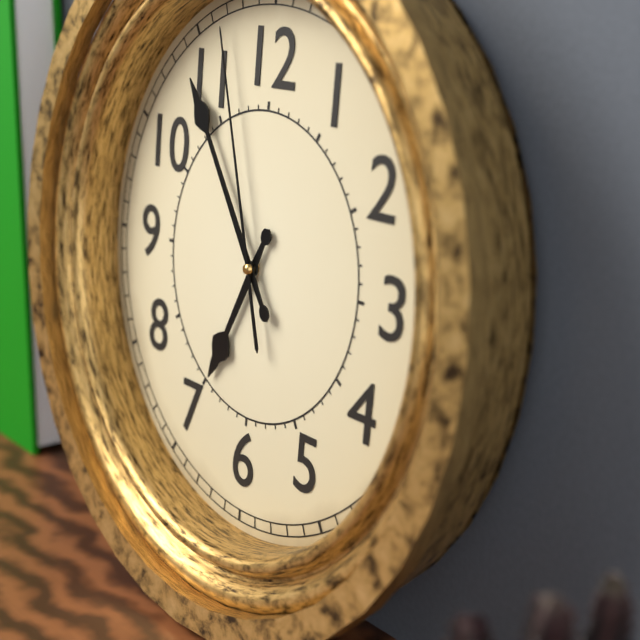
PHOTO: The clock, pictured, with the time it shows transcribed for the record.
6:54:57
